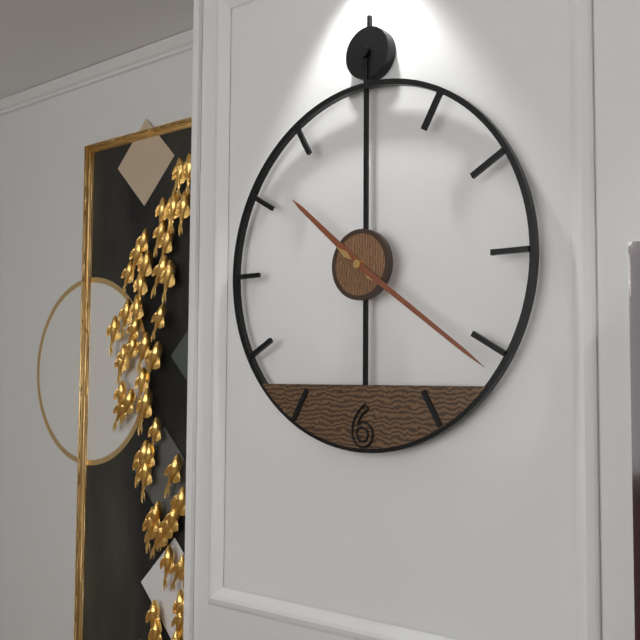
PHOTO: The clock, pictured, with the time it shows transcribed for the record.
10:21
